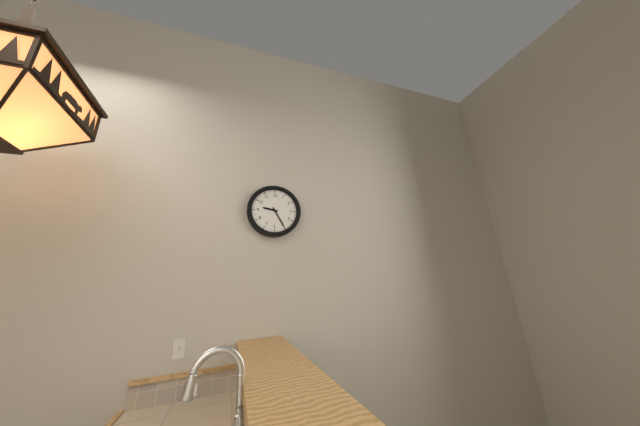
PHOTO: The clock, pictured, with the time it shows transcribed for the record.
9:25
